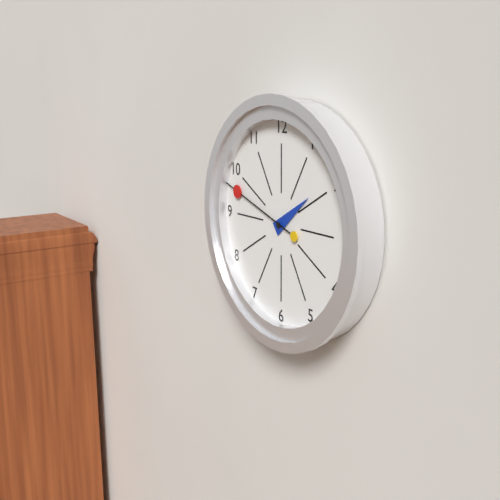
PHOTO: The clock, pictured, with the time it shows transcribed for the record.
1:48
